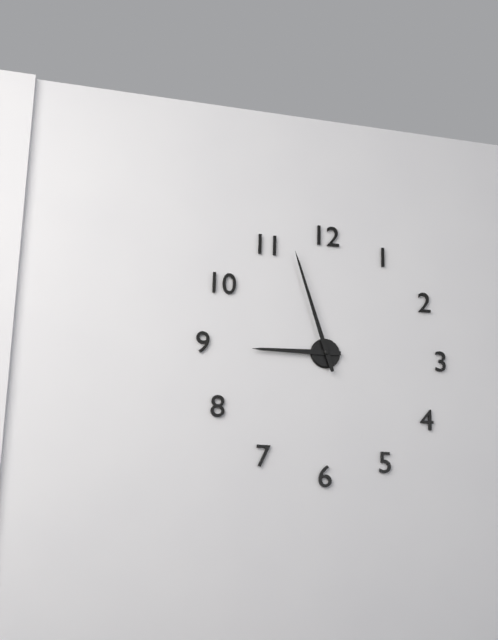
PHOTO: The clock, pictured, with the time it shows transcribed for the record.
8:57
